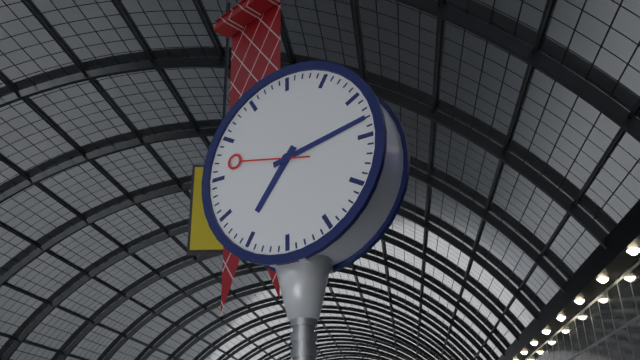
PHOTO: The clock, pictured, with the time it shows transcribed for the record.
7:13:47
